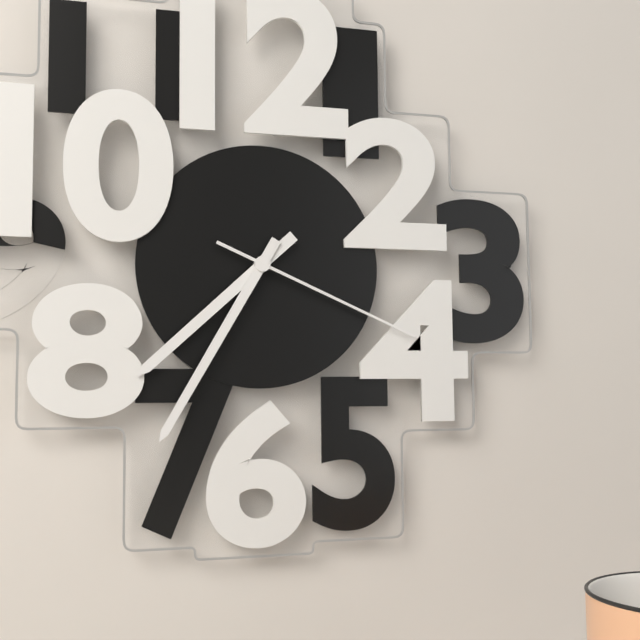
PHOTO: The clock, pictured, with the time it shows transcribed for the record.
7:35:19
